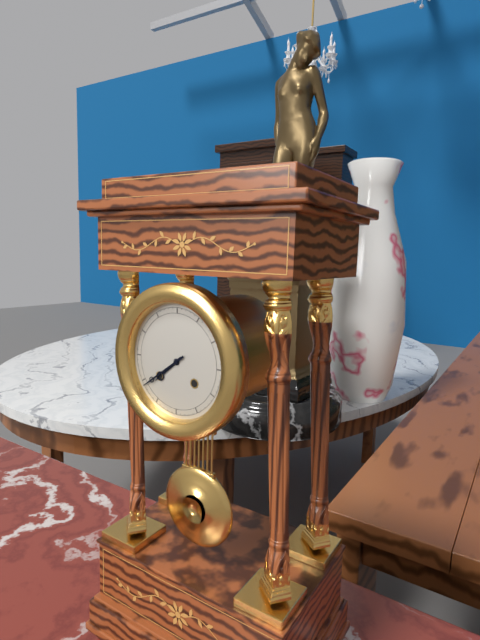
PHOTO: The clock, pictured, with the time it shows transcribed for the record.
7:39
